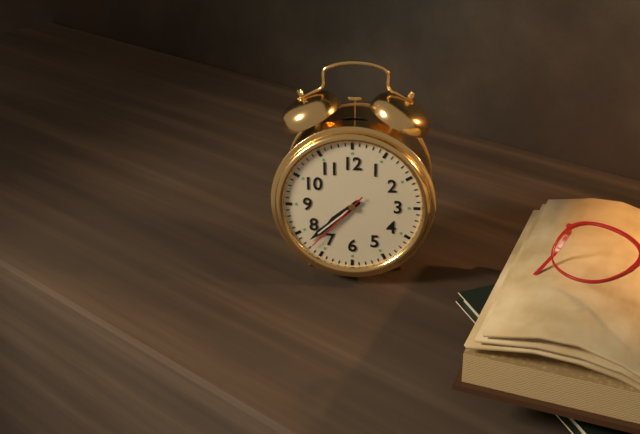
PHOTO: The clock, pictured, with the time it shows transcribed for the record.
7:38:37
